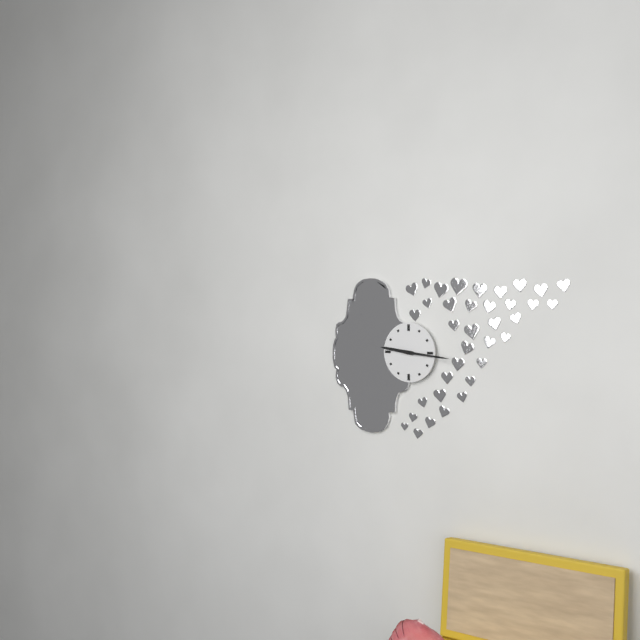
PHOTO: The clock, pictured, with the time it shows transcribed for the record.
9:16
